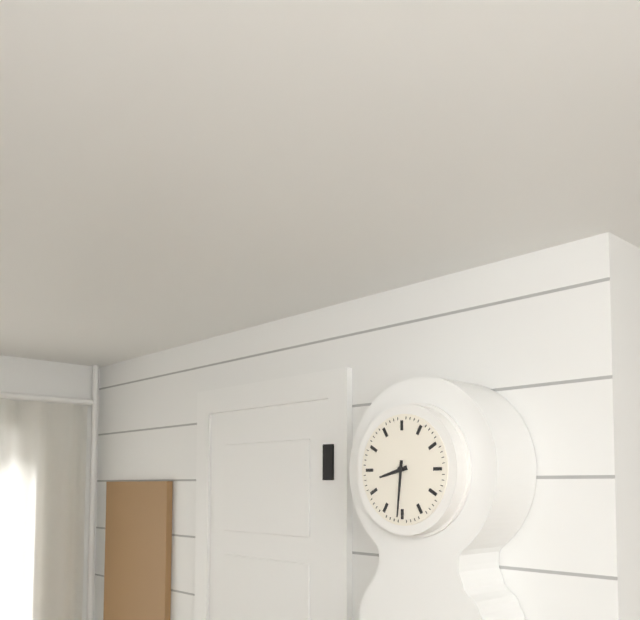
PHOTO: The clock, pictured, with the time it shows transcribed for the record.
8:31
